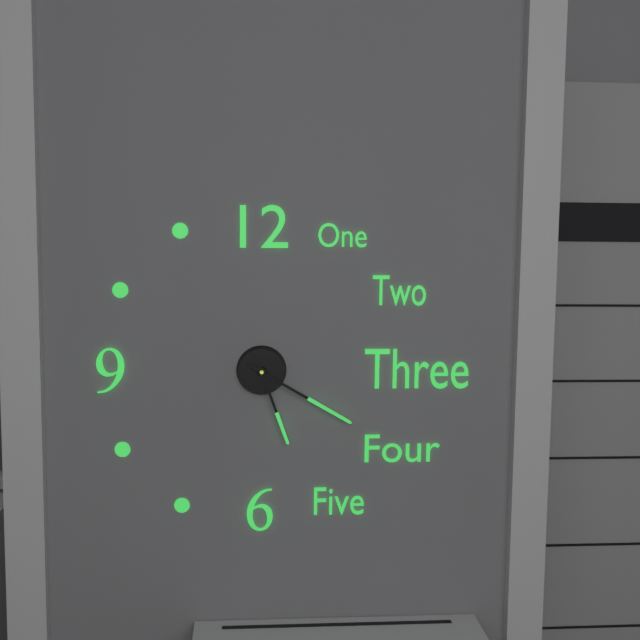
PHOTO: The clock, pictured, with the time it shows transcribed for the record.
5:20
